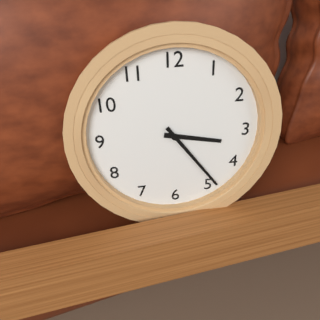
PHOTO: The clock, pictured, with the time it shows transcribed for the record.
3:24
